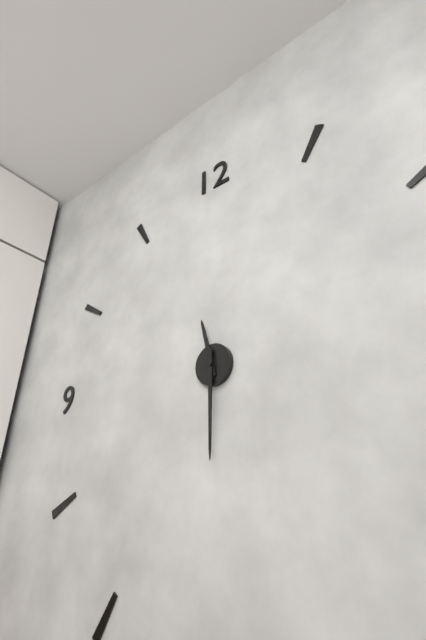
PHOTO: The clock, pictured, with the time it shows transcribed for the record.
11:30
